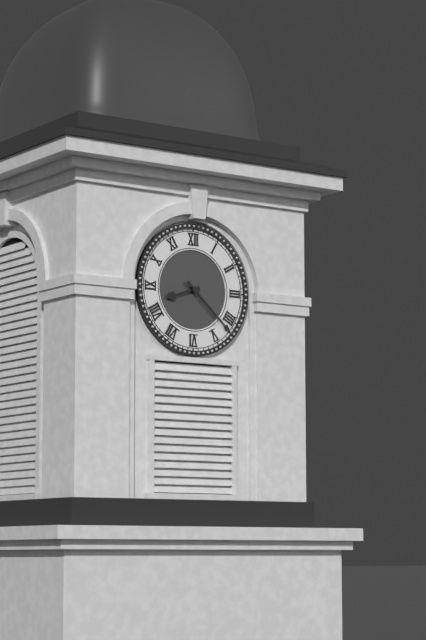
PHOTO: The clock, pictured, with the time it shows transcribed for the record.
8:22
